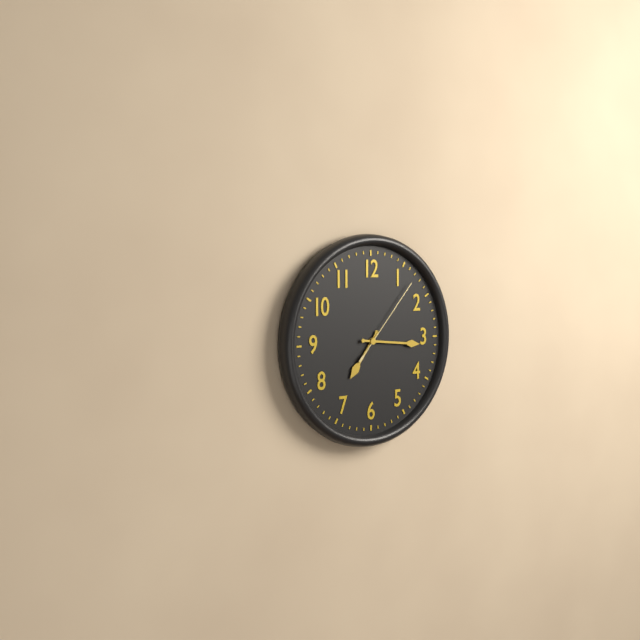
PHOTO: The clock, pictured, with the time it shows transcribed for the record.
7:16:07
